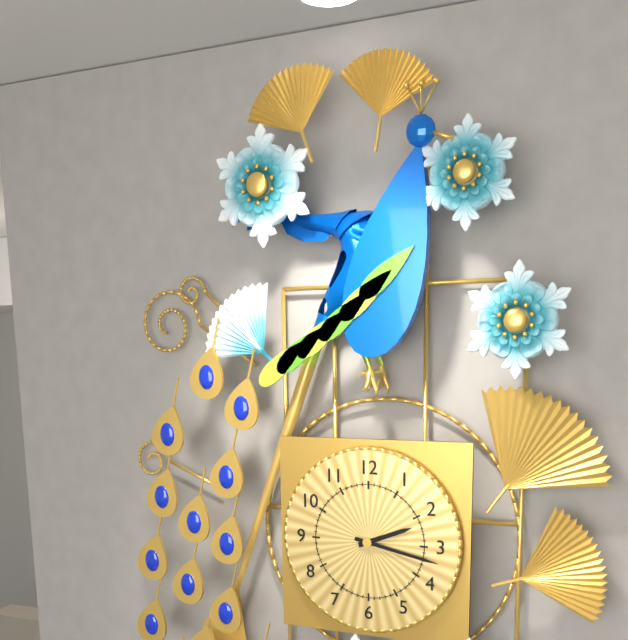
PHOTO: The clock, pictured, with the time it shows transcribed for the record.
2:17
